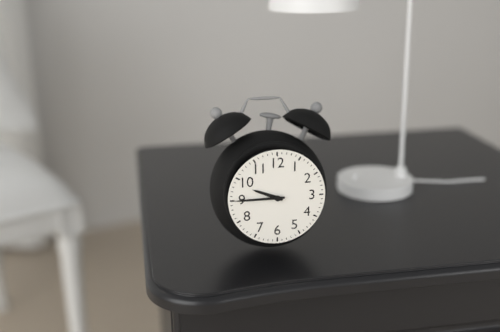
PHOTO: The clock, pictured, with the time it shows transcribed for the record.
9:45
